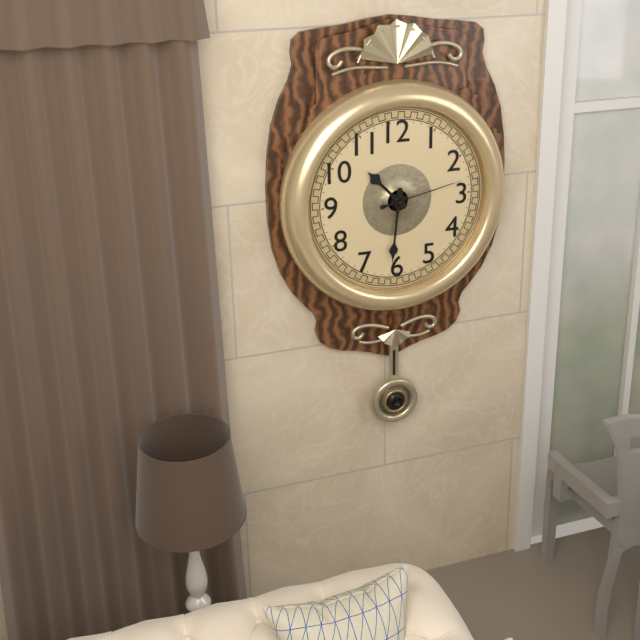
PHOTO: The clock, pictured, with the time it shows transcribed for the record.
10:31:13
